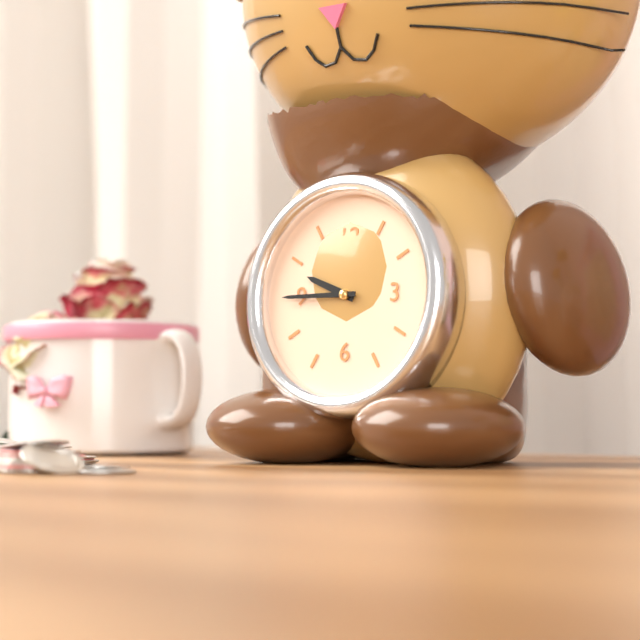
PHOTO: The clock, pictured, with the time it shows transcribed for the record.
9:45
